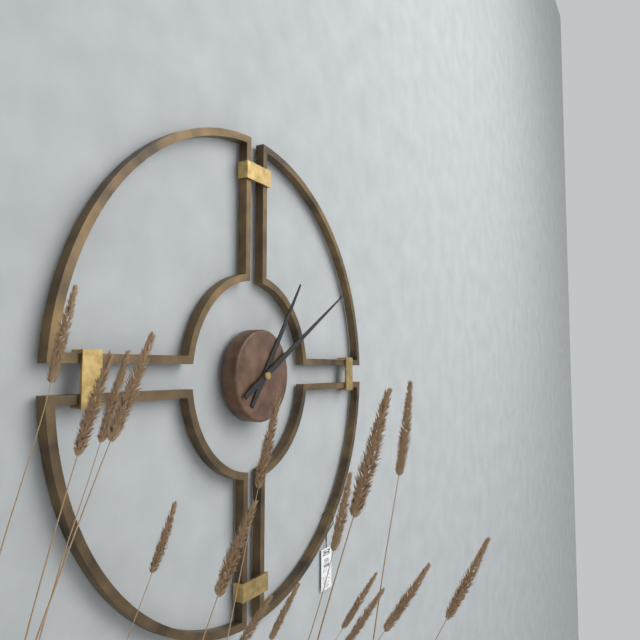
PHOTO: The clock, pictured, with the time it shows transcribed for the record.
1:10
